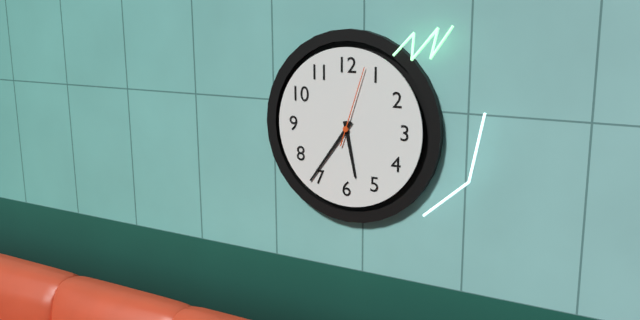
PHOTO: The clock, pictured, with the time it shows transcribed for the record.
5:36:03
